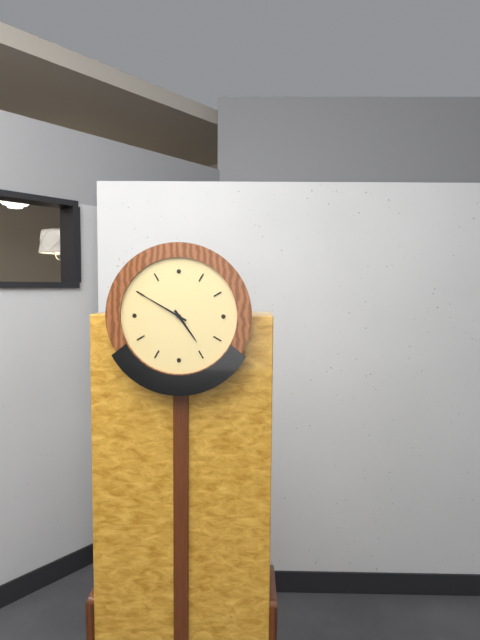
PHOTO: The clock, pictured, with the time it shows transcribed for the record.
4:50
